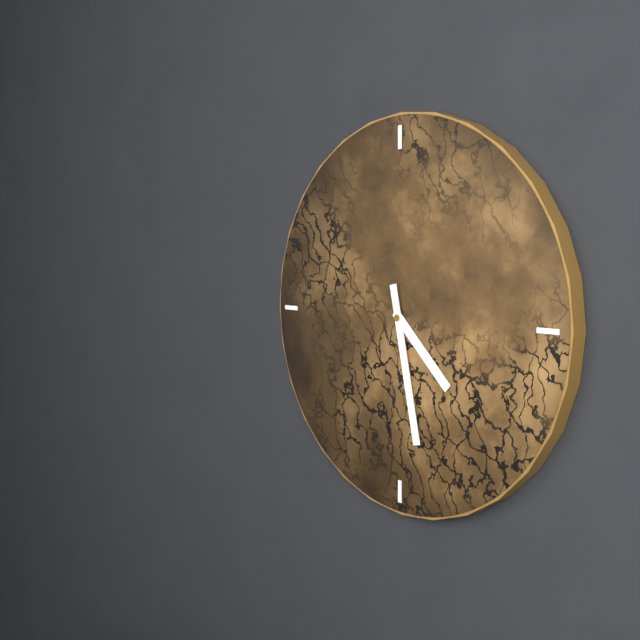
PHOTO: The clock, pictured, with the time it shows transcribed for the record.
4:28
